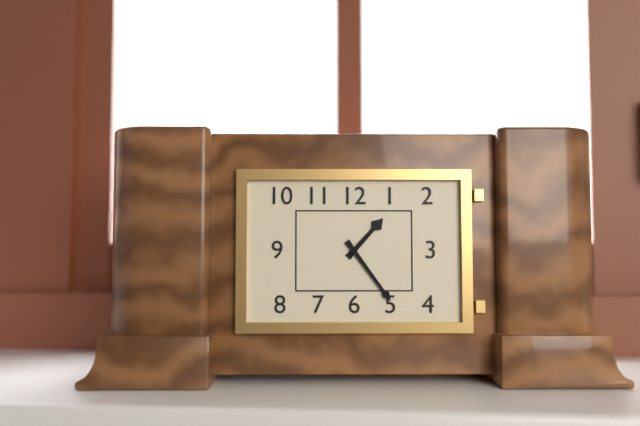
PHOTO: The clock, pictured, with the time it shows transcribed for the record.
1:24
